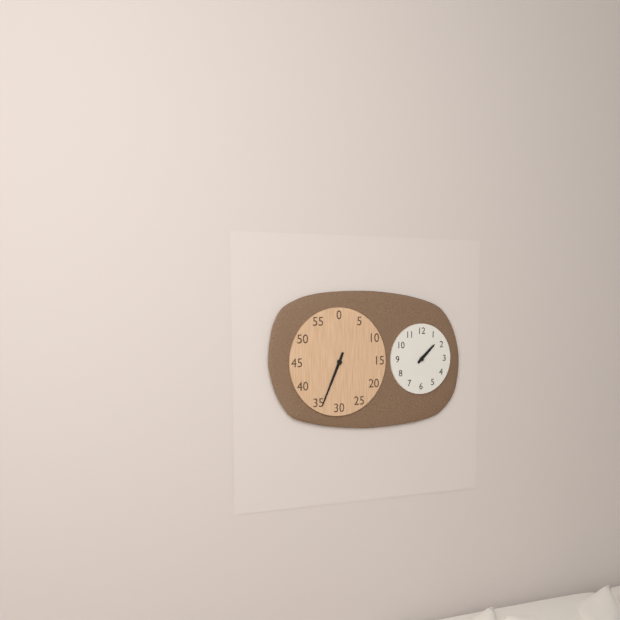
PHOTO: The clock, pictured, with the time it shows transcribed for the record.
1:34
